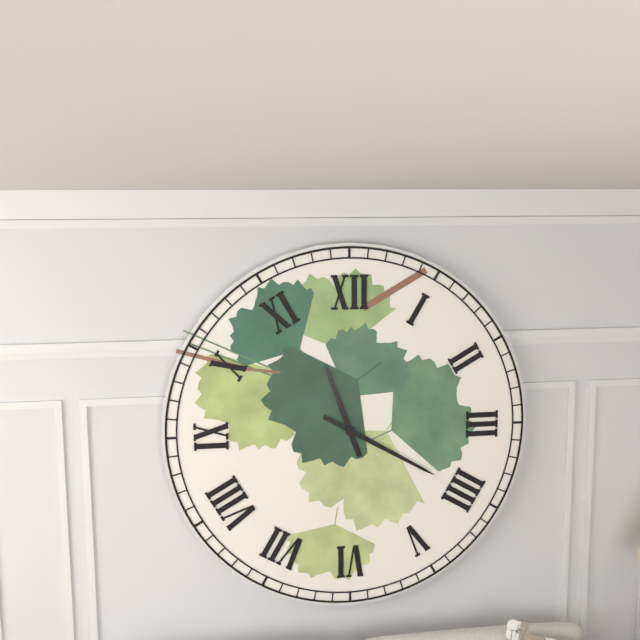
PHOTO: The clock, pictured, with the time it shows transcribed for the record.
11:20
